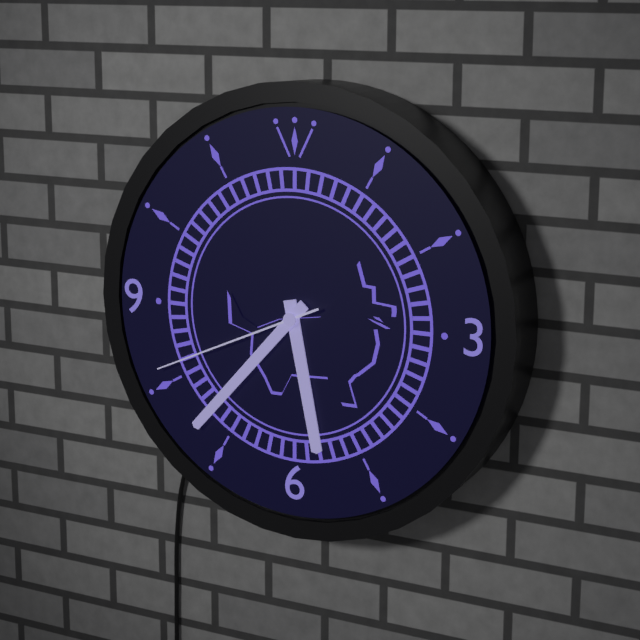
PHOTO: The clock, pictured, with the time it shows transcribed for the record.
5:37:41
